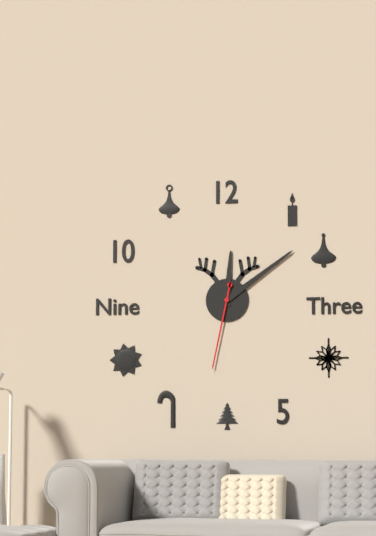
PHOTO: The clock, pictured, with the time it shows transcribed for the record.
12:09:32
